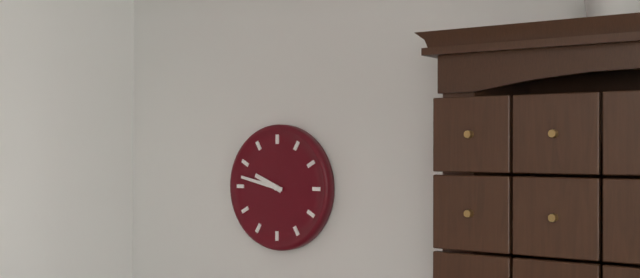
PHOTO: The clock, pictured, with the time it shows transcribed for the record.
9:47
